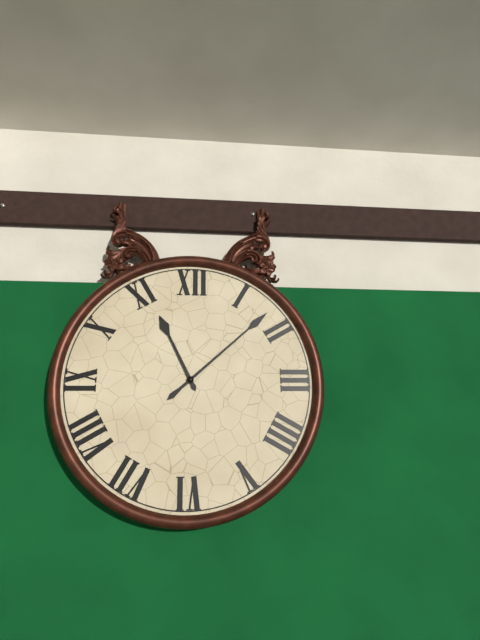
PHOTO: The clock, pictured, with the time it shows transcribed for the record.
11:08
